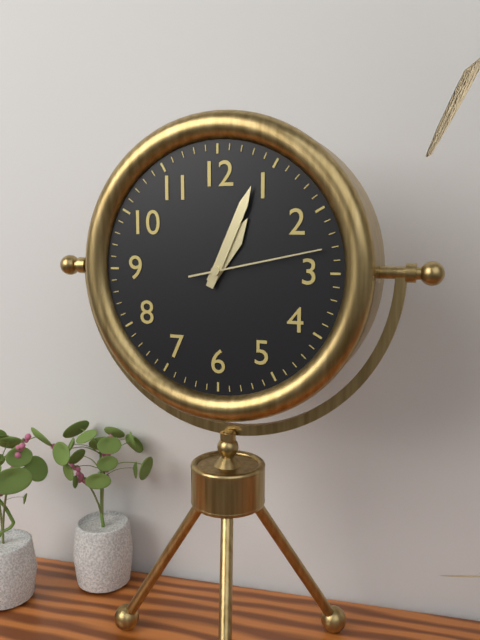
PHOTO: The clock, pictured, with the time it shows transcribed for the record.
1:04:13
